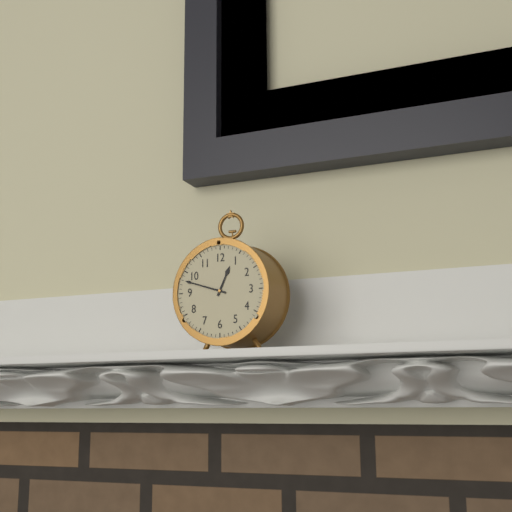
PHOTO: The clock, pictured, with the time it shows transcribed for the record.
12:48
